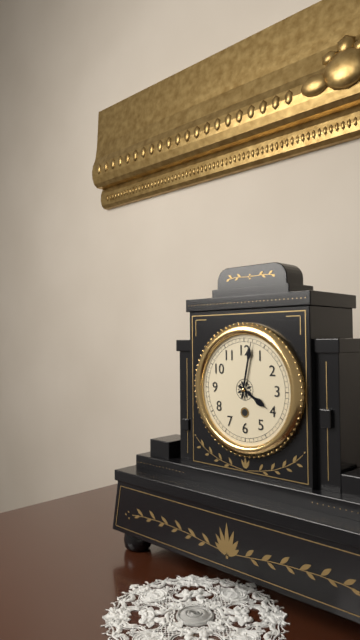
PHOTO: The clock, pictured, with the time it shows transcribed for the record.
4:02
